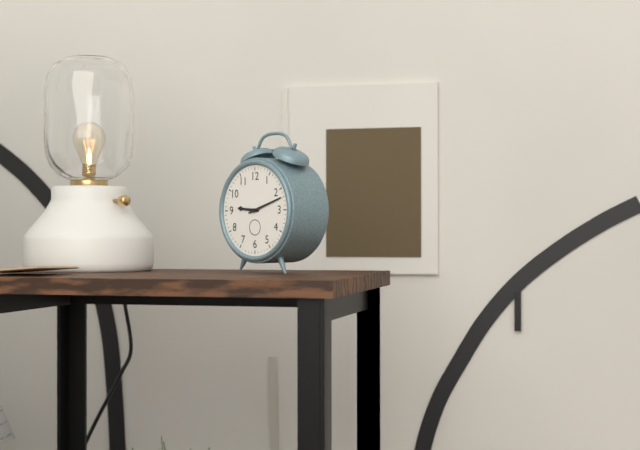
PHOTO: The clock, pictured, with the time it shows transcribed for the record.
9:12
